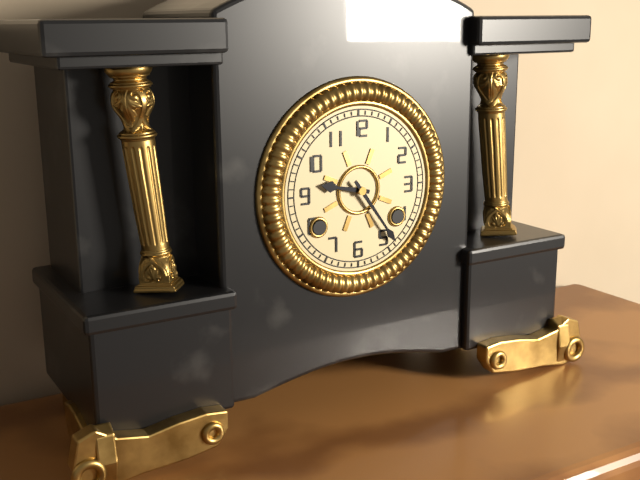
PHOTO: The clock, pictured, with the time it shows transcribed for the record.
9:24
